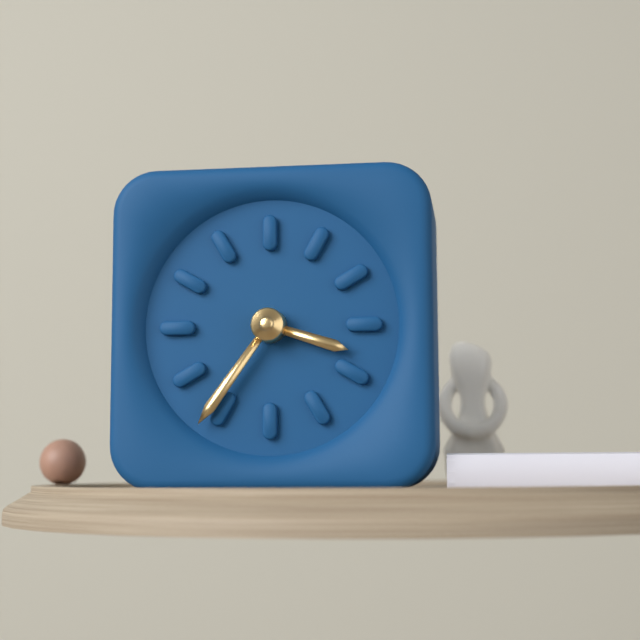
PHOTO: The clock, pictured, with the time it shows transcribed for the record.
3:36
